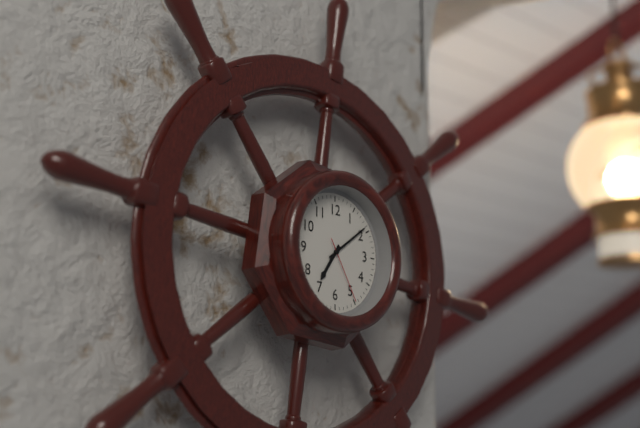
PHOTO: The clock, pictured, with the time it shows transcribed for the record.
7:09:25
